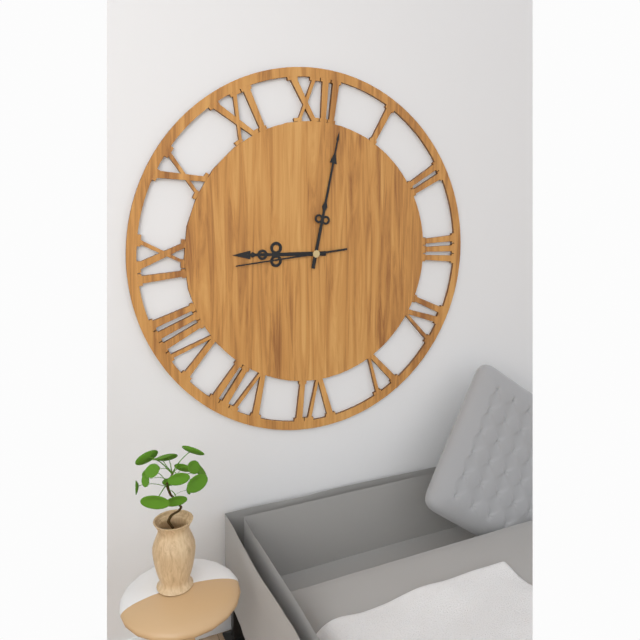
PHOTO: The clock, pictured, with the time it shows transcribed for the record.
9:02:44
